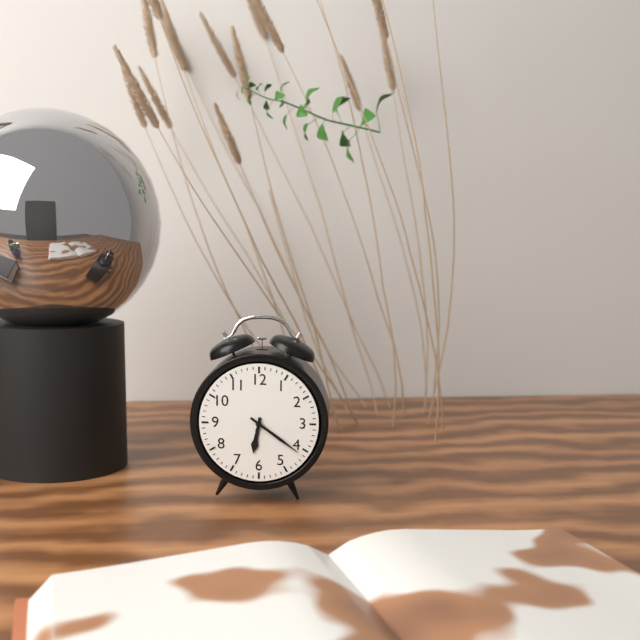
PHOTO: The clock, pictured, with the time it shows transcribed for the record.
6:21
